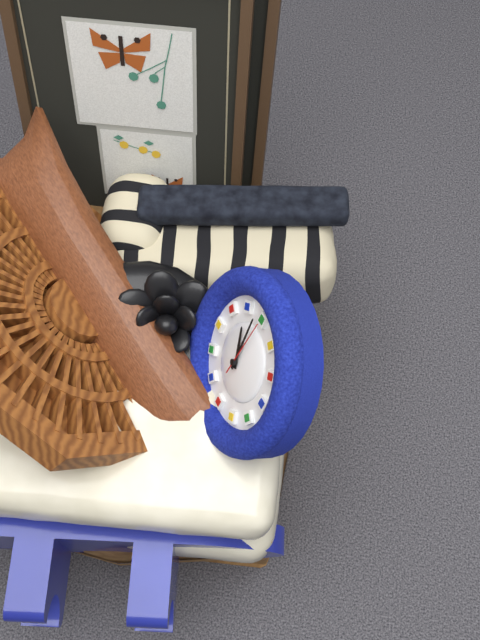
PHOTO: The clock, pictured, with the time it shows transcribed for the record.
12:04:06
